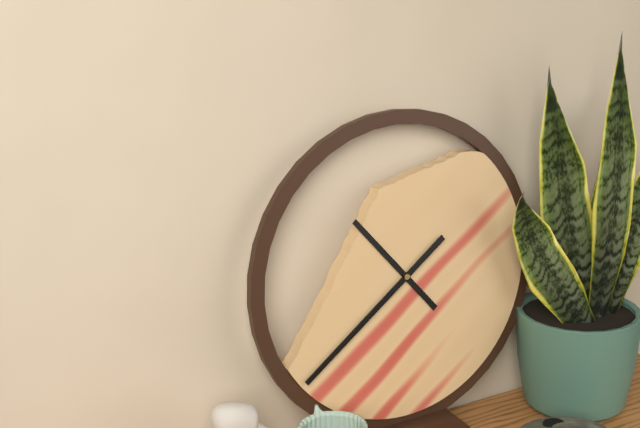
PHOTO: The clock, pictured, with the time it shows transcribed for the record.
10:39
